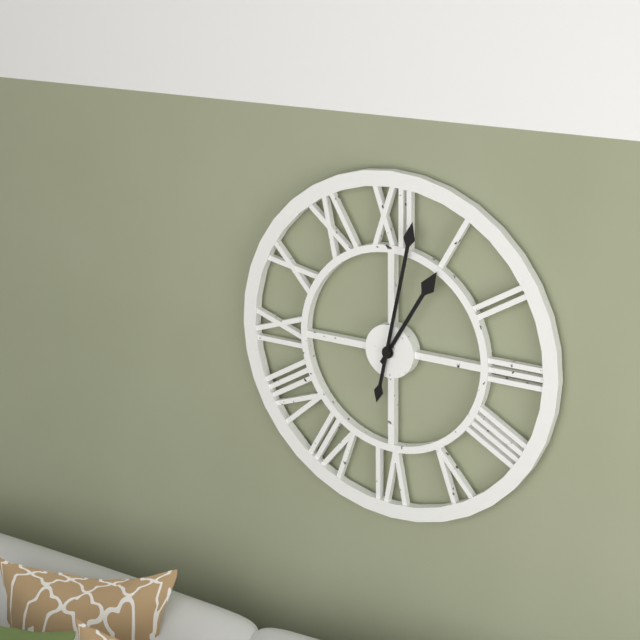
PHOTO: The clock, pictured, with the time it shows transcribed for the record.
1:02
